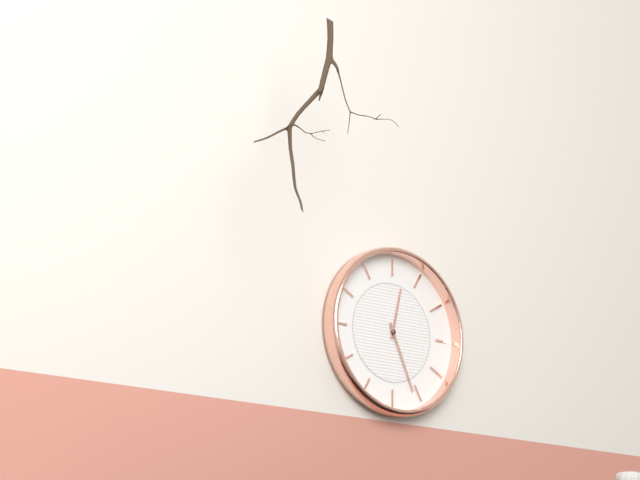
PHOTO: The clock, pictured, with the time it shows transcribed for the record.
12:26
